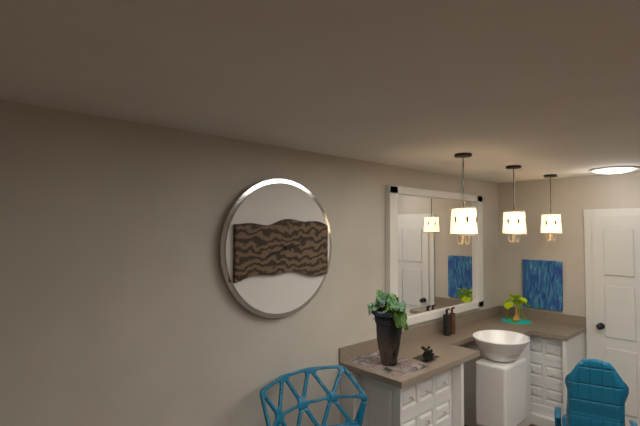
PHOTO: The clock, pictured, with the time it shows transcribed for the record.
2:42
